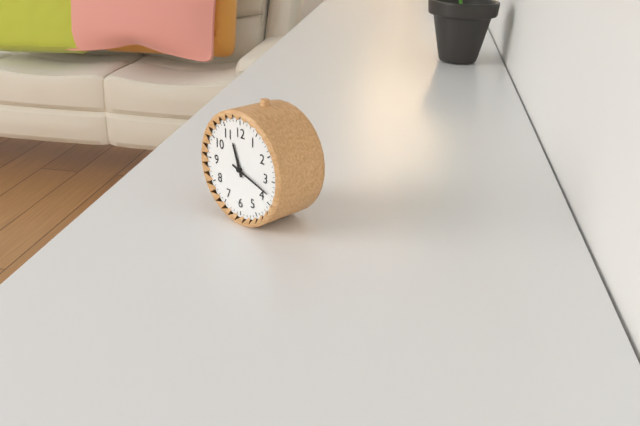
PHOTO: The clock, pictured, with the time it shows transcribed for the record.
11:18
